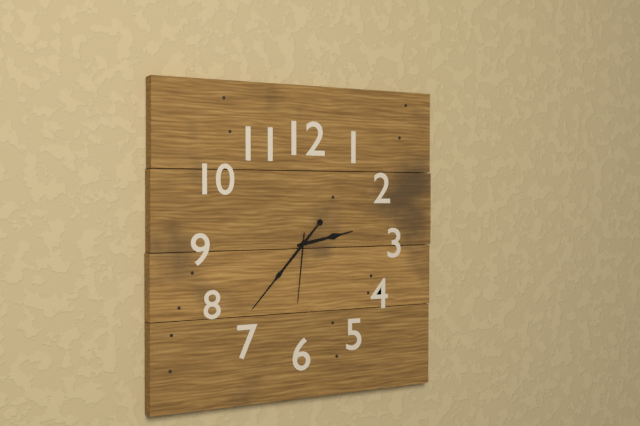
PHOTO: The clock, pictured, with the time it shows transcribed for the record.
2:37:31
